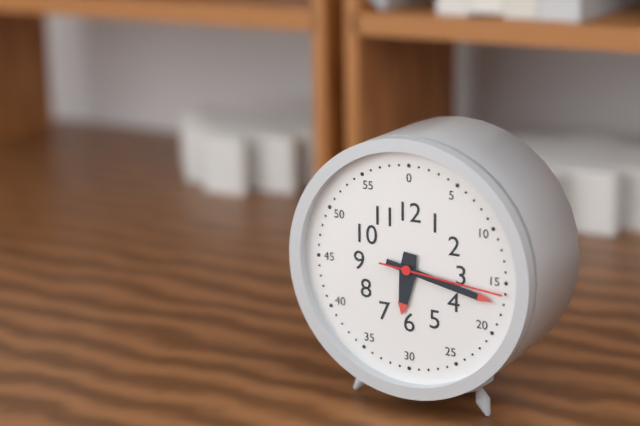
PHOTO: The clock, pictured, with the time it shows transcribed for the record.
6:17:16
